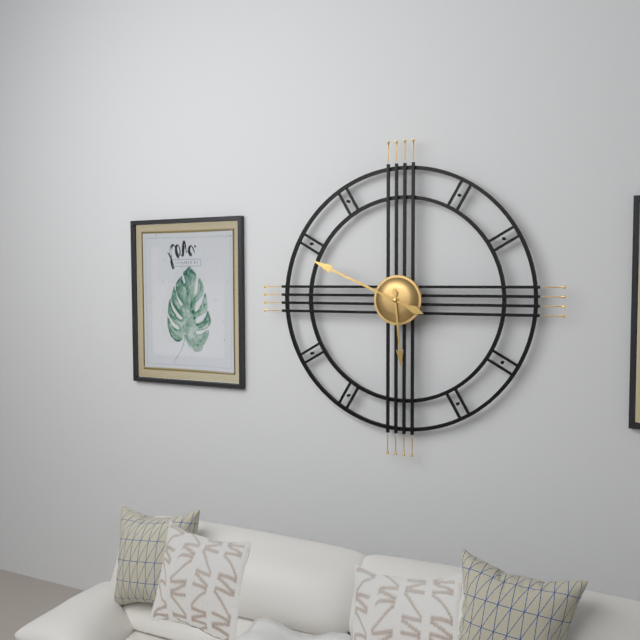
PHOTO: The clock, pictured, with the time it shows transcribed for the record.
5:49
